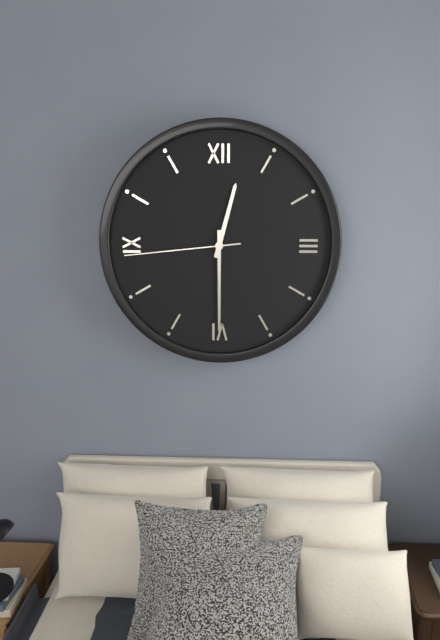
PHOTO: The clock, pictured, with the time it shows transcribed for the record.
12:30:44
